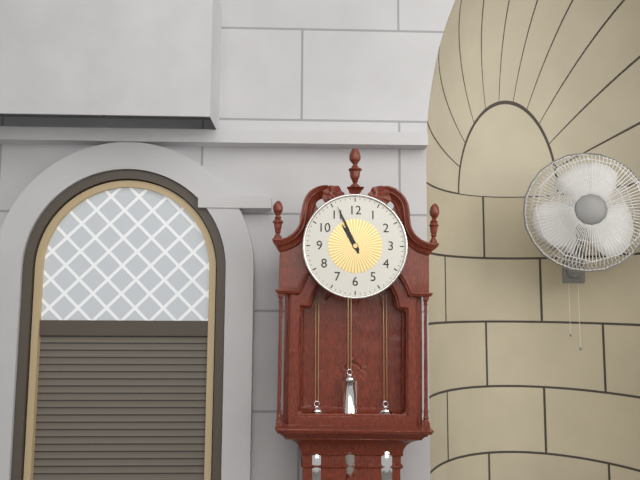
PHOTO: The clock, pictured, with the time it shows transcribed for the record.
10:56
